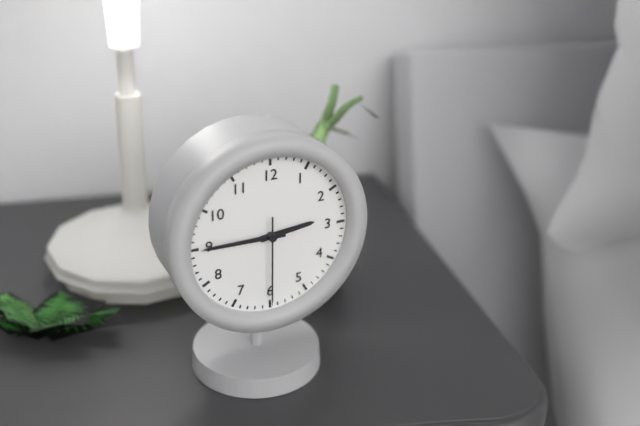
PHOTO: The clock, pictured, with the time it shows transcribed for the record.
2:45:30
